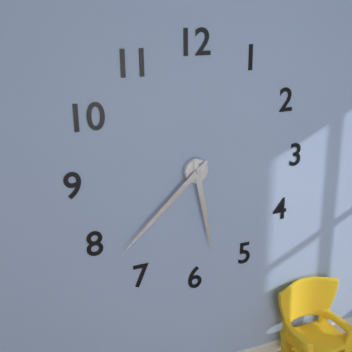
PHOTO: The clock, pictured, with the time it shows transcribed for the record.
5:38
